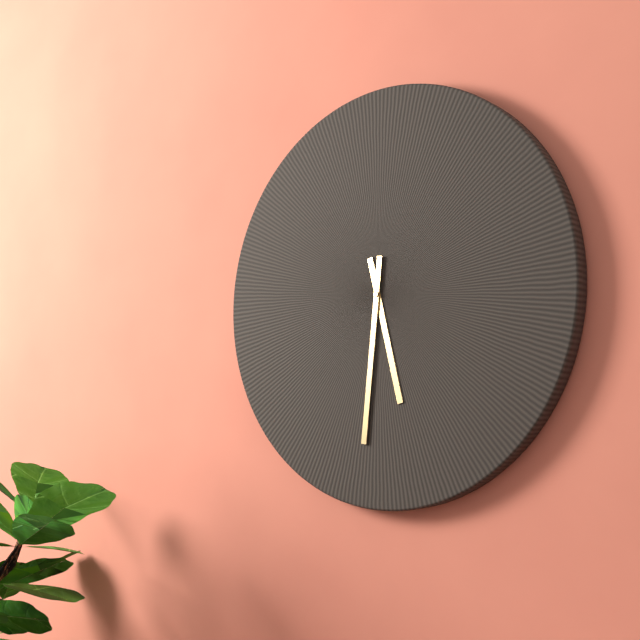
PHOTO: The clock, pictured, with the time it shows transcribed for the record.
5:31
